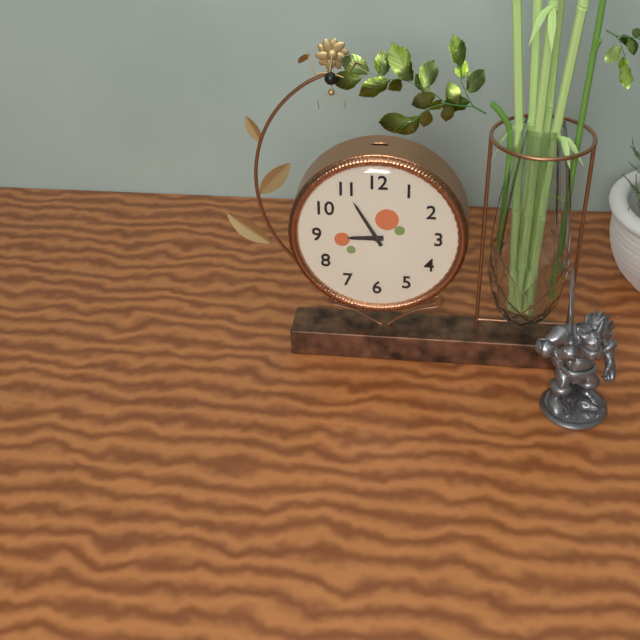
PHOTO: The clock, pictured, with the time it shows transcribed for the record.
8:55
